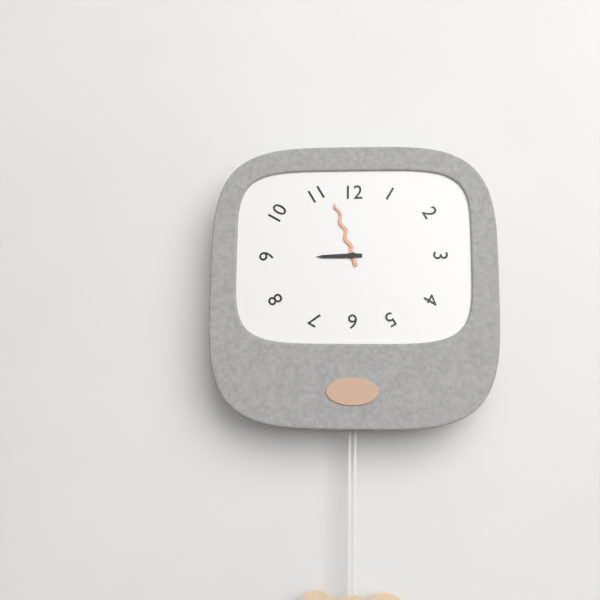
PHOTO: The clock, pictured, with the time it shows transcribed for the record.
8:57
